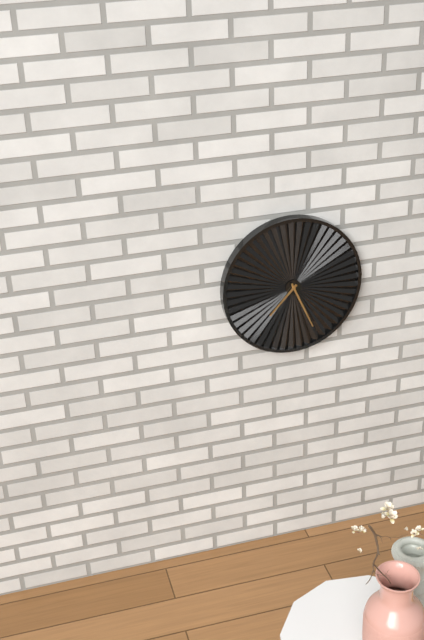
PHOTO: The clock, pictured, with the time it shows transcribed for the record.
7:26
